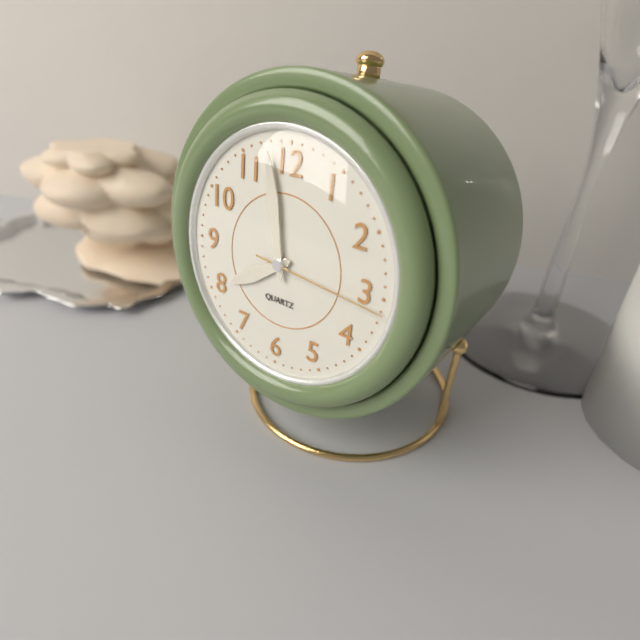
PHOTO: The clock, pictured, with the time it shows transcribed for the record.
7:58:16
